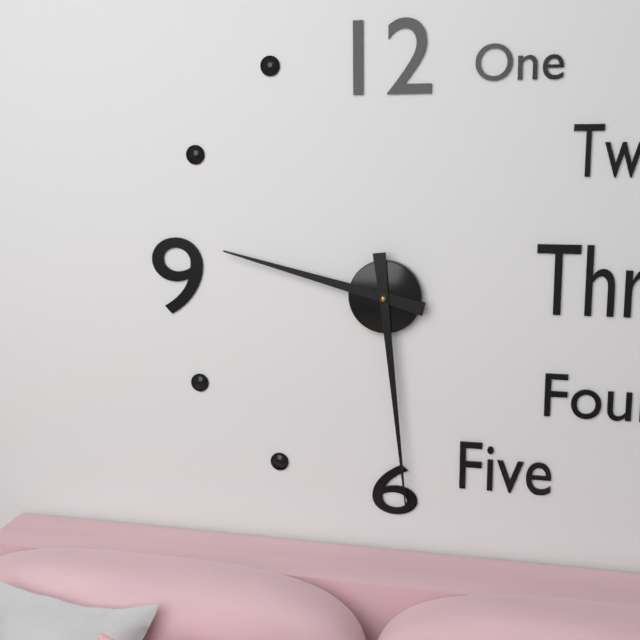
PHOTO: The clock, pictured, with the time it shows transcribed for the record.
9:29
